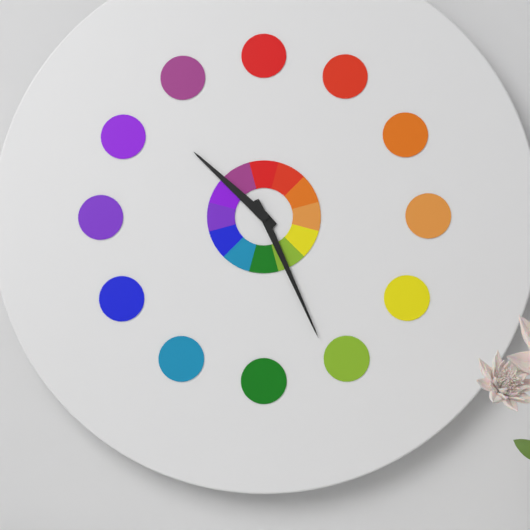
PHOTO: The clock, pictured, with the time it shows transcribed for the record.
10:26
